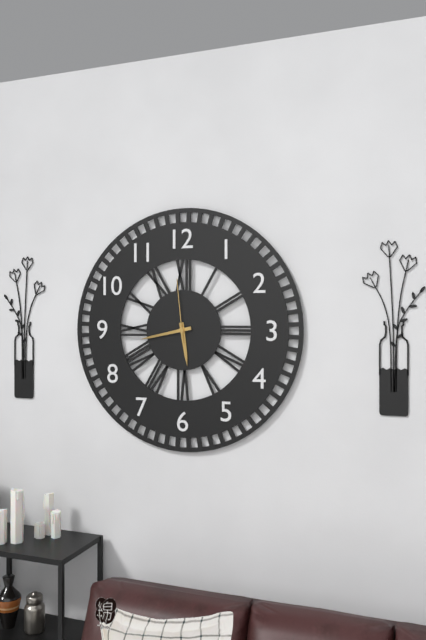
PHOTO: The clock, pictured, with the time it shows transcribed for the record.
5:43:59
